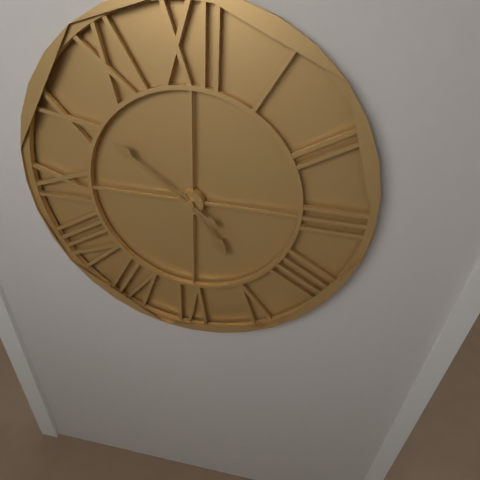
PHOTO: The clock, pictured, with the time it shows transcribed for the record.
4:51
